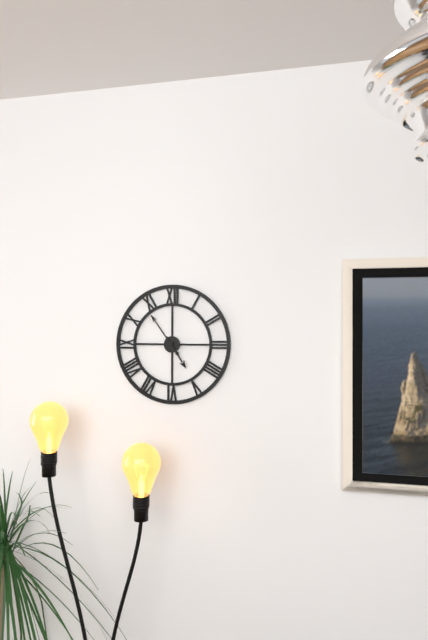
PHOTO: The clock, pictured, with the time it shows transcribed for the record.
4:54
